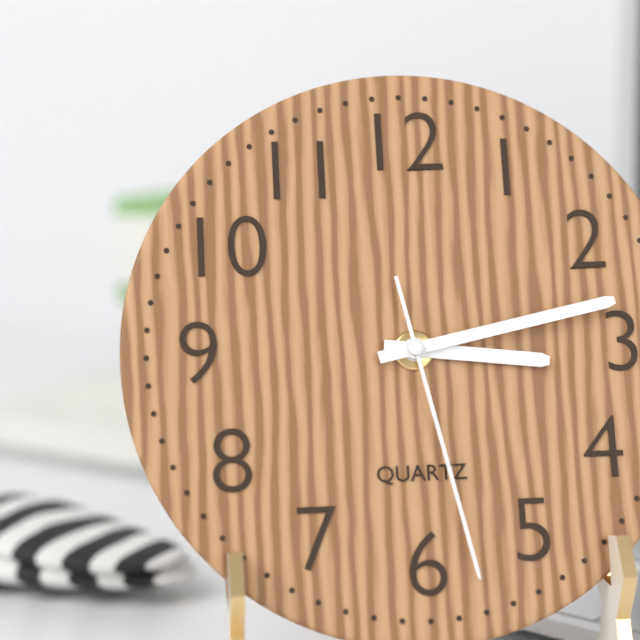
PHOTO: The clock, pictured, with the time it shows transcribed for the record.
3:13:28
